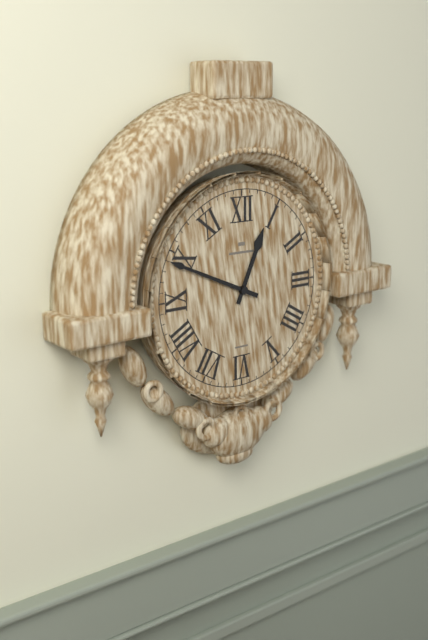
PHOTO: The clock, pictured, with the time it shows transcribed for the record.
12:49
